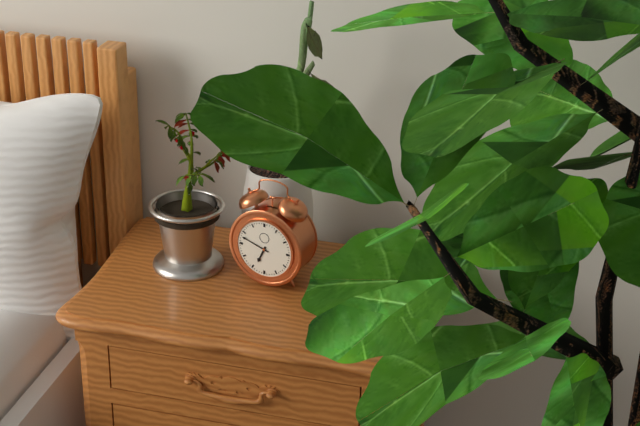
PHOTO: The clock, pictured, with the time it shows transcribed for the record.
6:48
